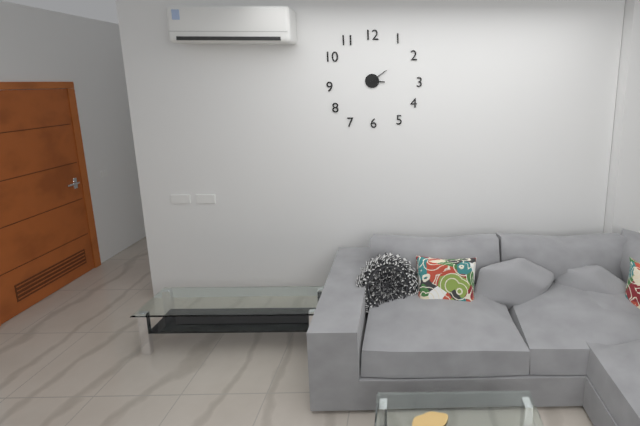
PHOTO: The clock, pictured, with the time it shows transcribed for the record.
3:09
